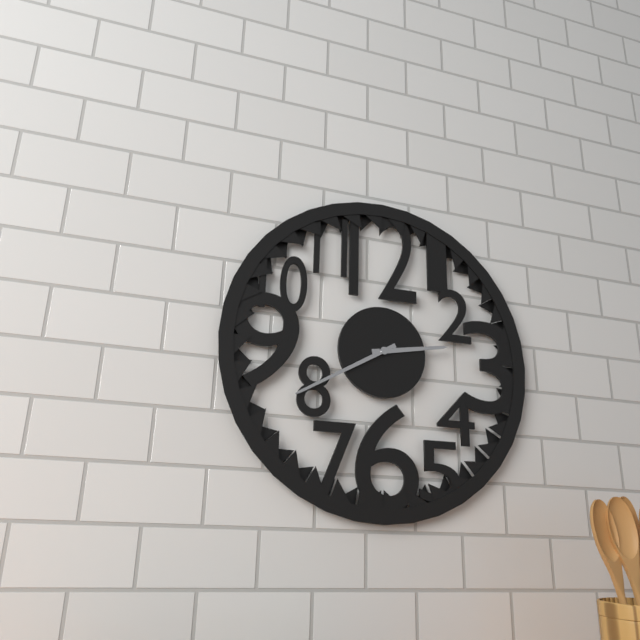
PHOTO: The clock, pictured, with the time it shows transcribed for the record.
2:40
